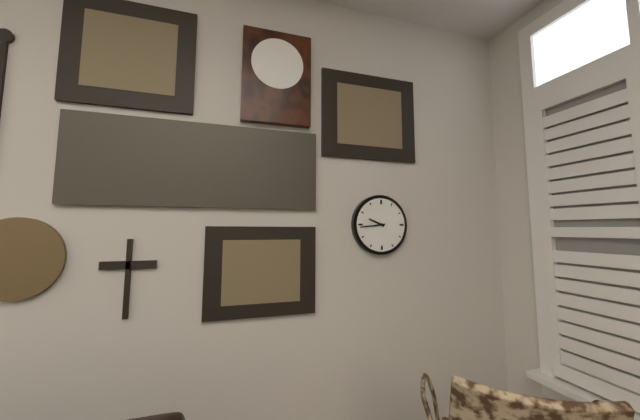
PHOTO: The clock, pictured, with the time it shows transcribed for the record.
9:44
